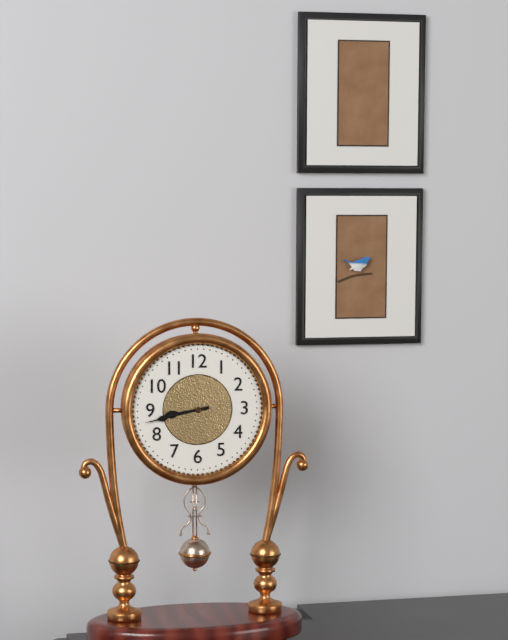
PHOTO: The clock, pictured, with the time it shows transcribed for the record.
8:43
